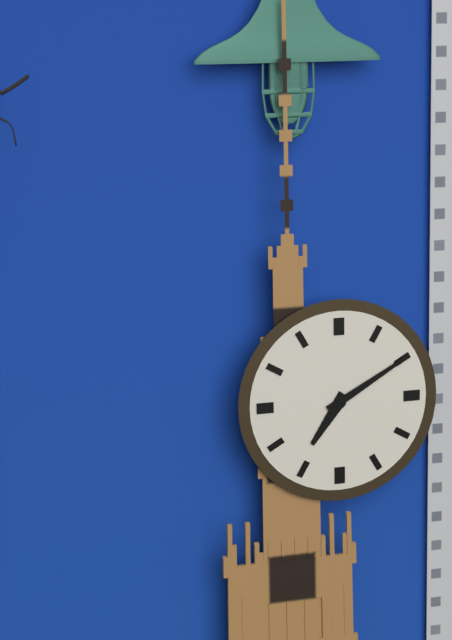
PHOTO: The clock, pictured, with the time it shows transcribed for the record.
7:10
